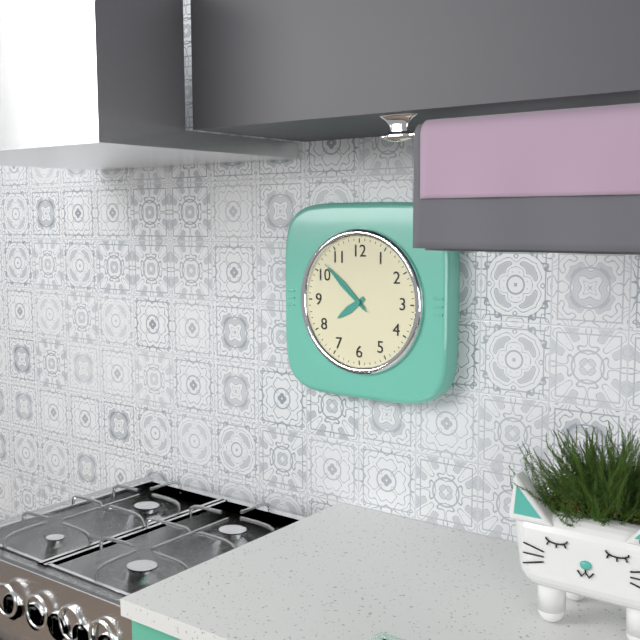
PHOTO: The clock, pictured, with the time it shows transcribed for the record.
7:52:52
